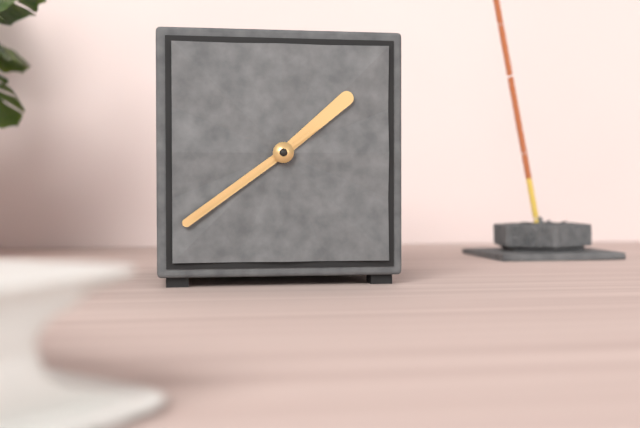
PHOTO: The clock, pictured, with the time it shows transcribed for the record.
1:39:39
